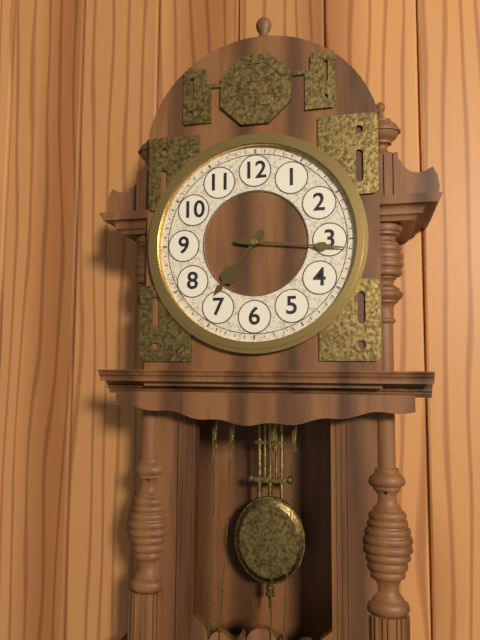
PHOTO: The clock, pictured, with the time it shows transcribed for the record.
7:16
